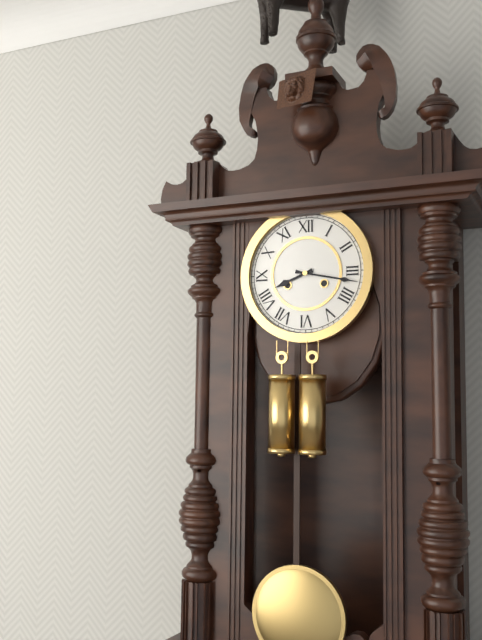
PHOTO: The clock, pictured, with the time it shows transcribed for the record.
8:17
